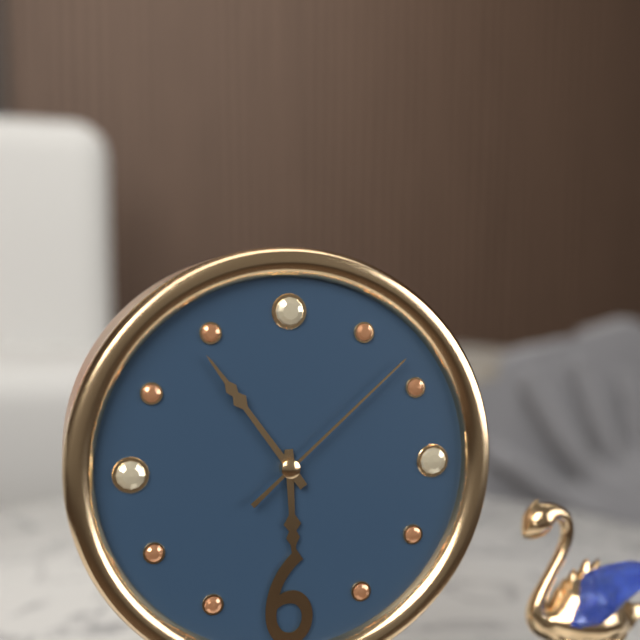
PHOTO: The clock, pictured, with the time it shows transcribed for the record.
5:54:08
